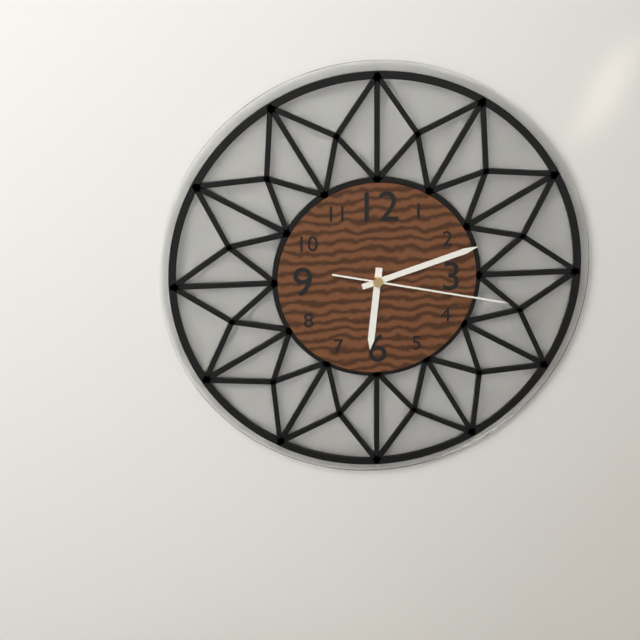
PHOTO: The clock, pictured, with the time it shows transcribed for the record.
6:12:17
